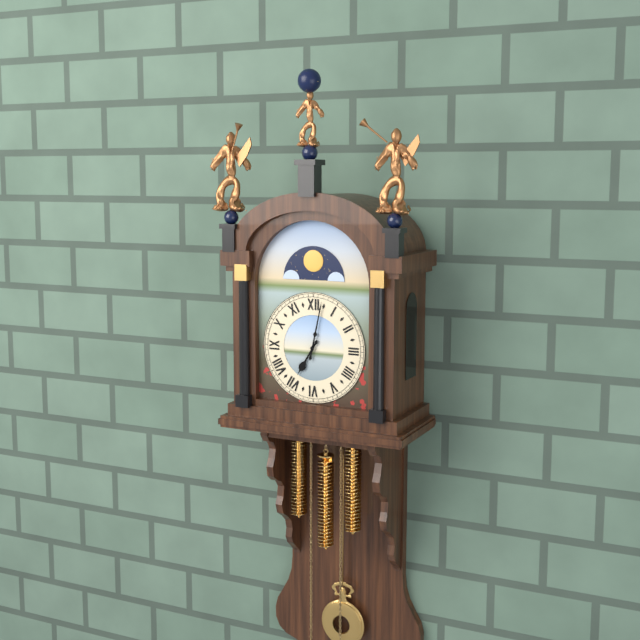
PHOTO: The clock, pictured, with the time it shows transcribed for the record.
7:02
